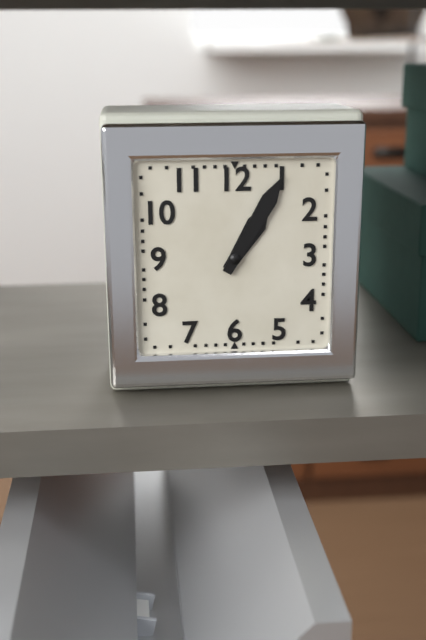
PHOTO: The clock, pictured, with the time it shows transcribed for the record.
1:05
